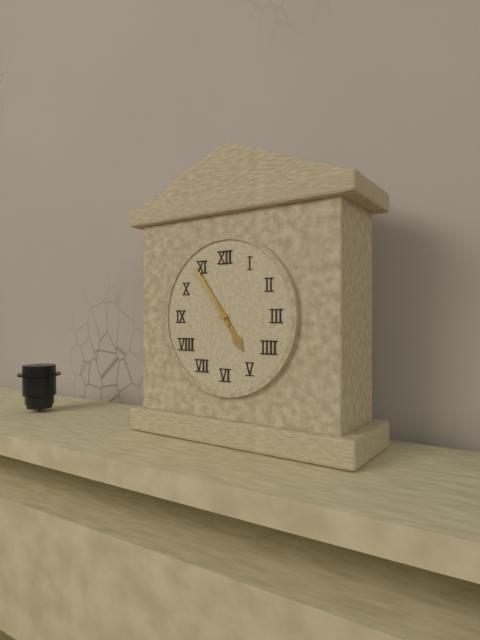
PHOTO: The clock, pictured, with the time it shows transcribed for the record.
4:54
